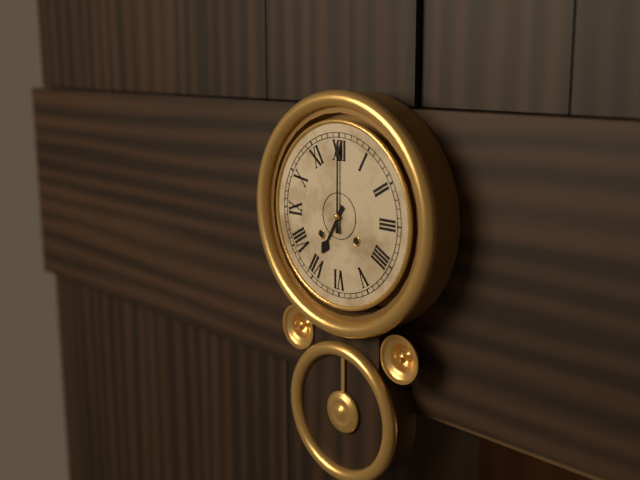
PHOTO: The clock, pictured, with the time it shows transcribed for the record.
7:00
